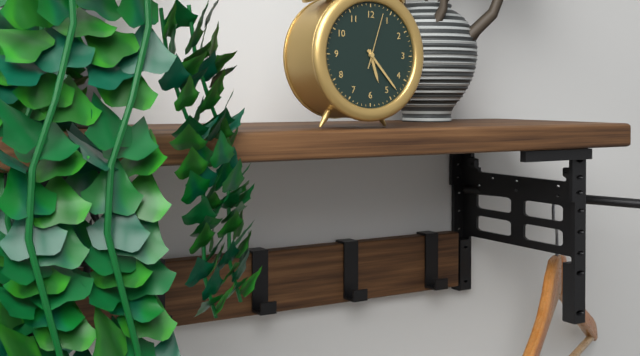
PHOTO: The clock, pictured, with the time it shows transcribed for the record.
5:23:03
